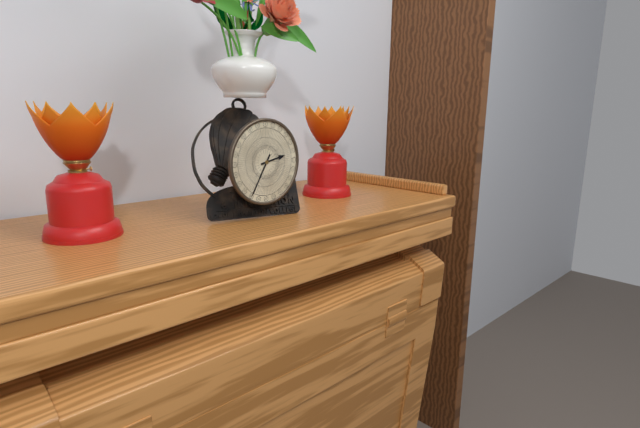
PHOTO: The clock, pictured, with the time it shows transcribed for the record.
2:35
